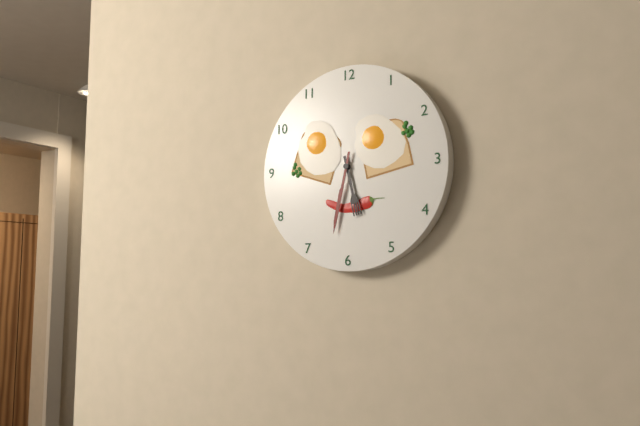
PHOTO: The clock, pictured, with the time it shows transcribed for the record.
5:32
